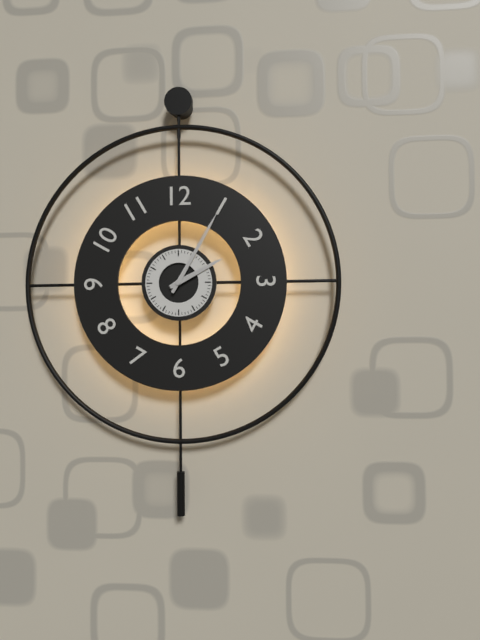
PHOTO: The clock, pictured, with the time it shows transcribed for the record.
2:05
